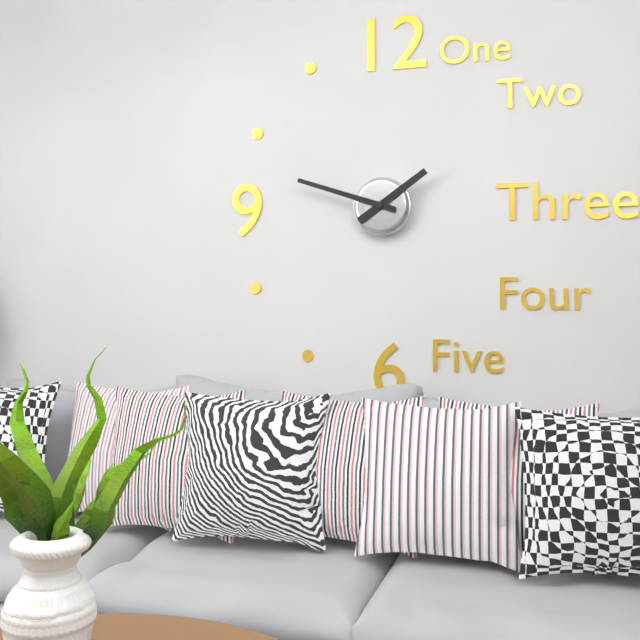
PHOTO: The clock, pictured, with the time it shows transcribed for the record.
1:48
